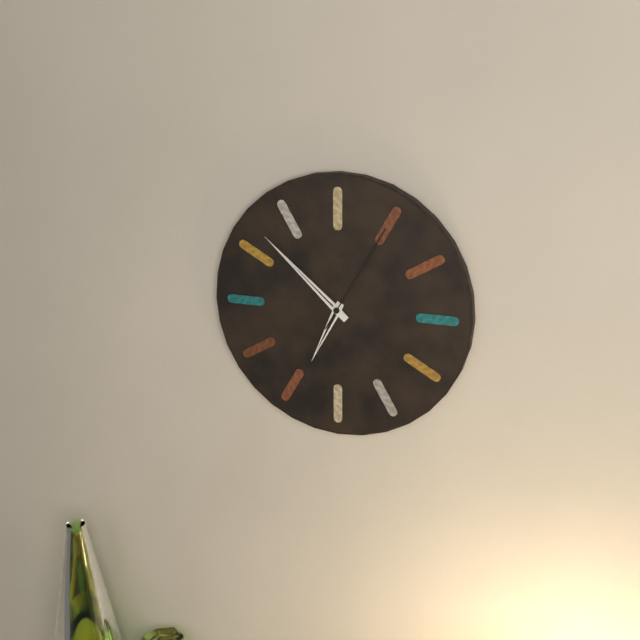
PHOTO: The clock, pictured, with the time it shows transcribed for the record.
6:52:05
